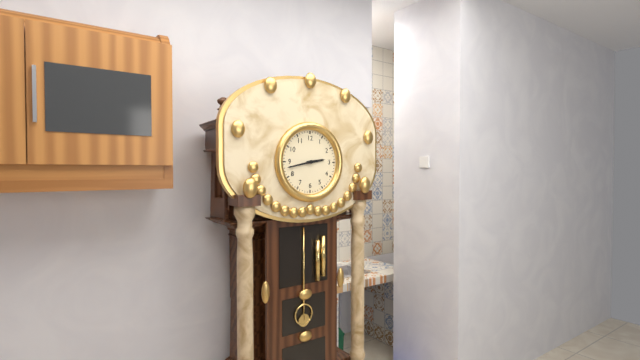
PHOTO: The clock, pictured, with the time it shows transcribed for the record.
2:43
